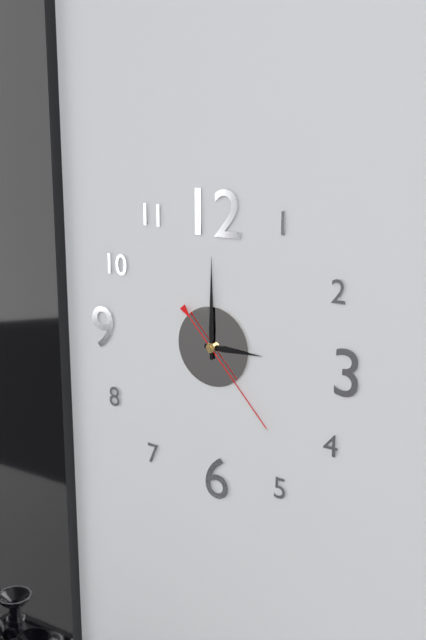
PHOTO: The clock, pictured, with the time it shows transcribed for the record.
3:00:23
